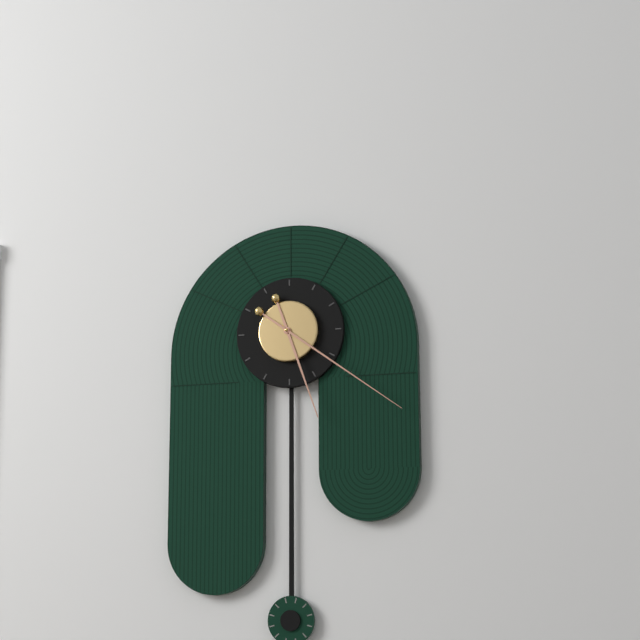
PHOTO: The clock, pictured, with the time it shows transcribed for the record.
5:21
